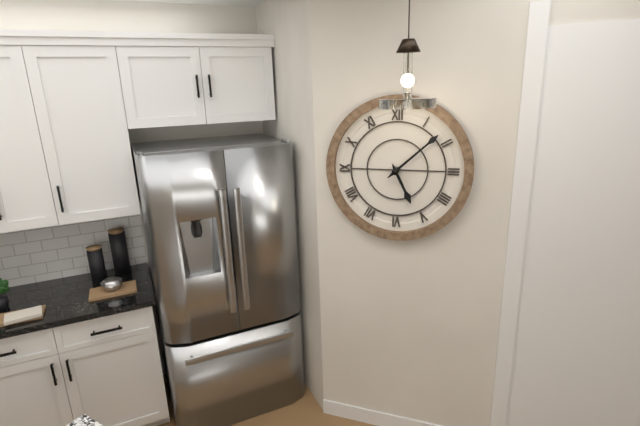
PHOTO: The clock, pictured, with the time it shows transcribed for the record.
5:08
